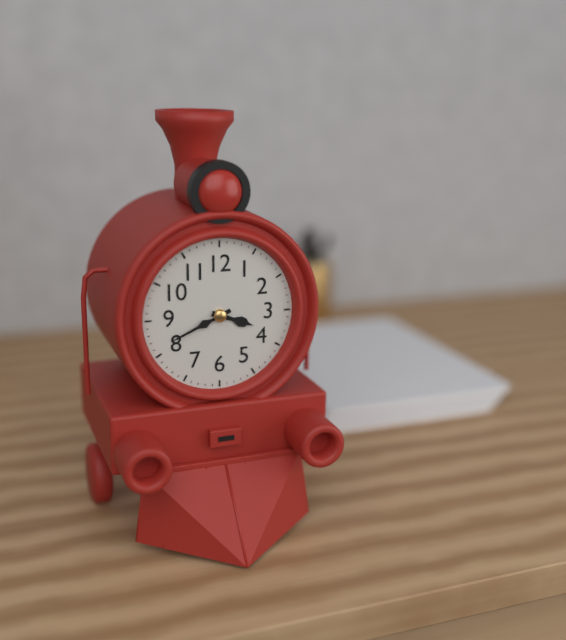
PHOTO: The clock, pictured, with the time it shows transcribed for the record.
3:41
